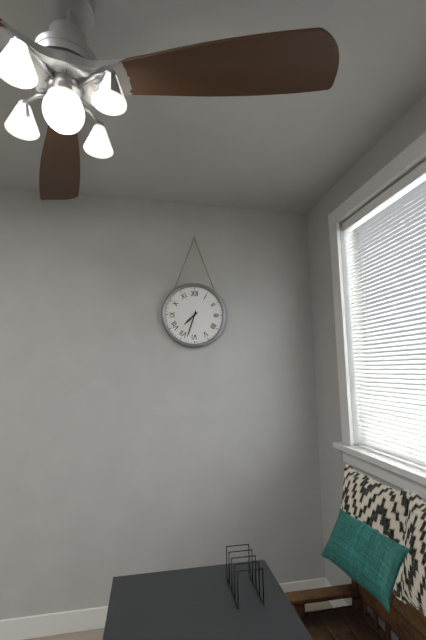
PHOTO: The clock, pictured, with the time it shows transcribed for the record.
7:33
